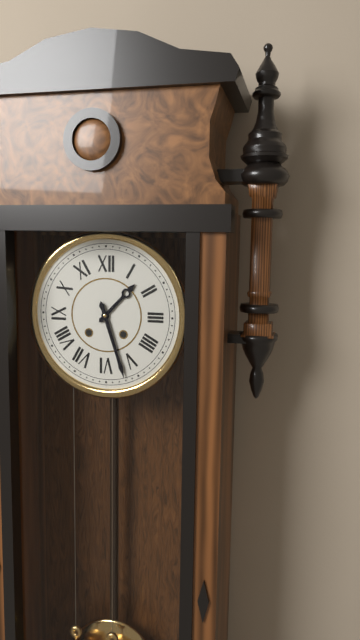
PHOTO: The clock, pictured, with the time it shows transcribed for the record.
1:27
